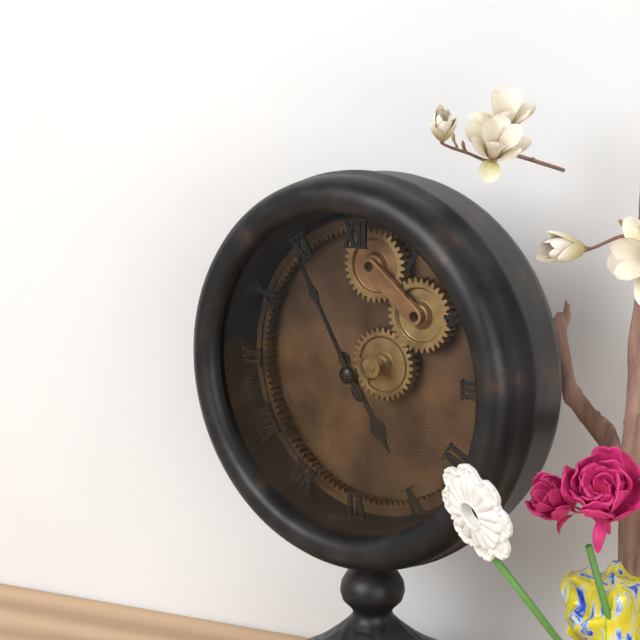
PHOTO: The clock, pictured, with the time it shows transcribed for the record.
4:55
